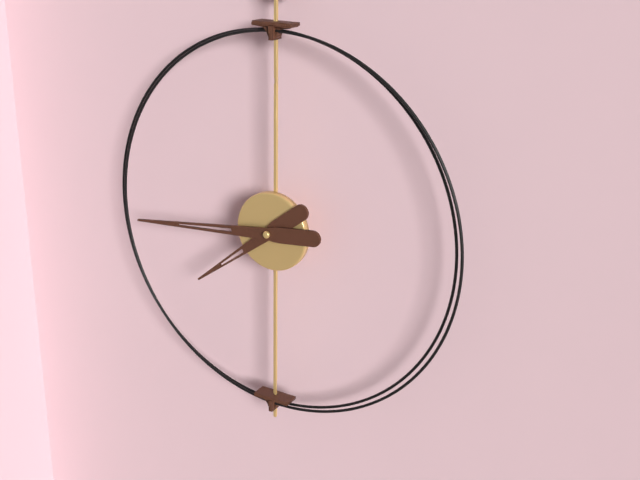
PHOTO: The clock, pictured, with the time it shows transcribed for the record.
7:44
